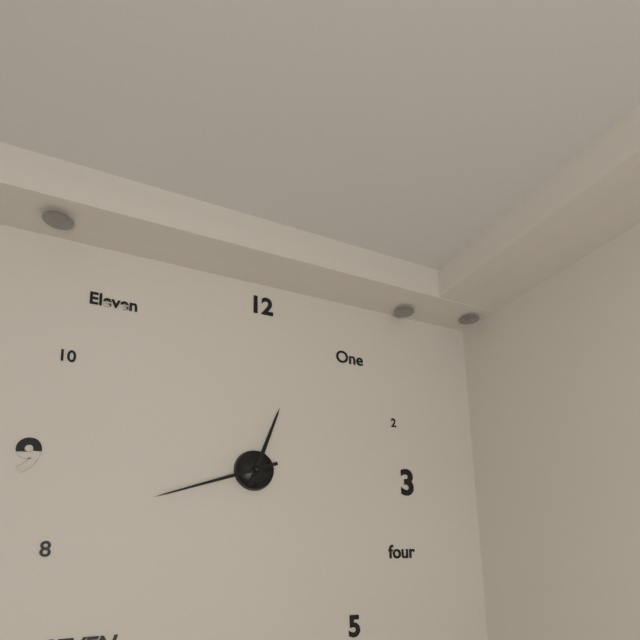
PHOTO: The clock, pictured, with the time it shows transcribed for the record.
12:42
